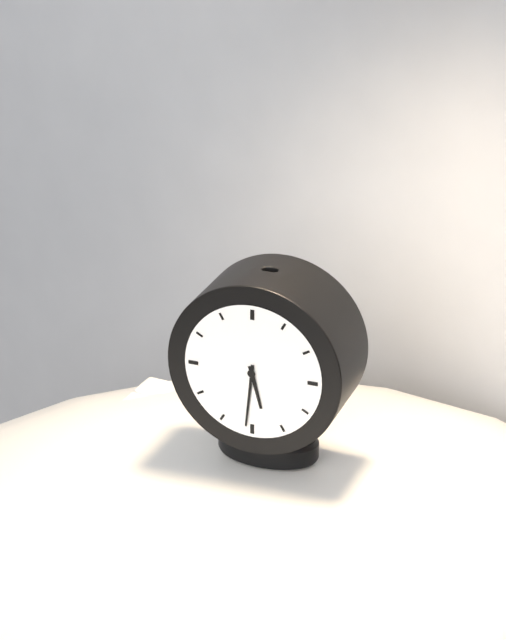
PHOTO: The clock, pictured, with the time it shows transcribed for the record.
5:31
